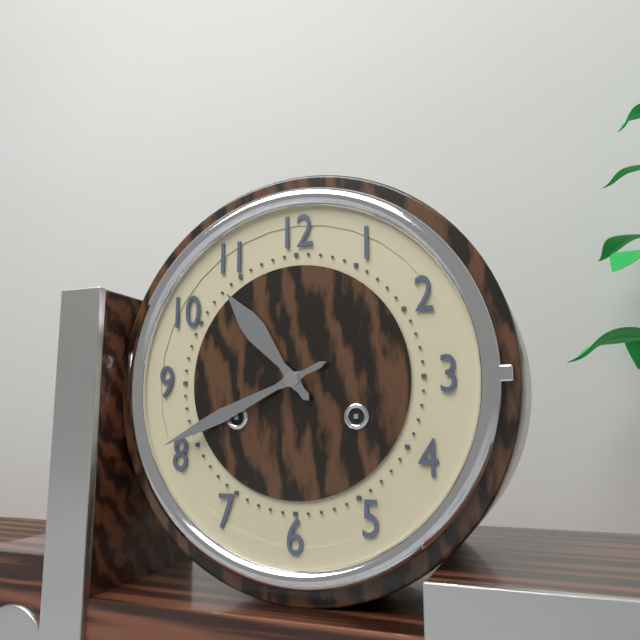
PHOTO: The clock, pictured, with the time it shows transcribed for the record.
10:41
